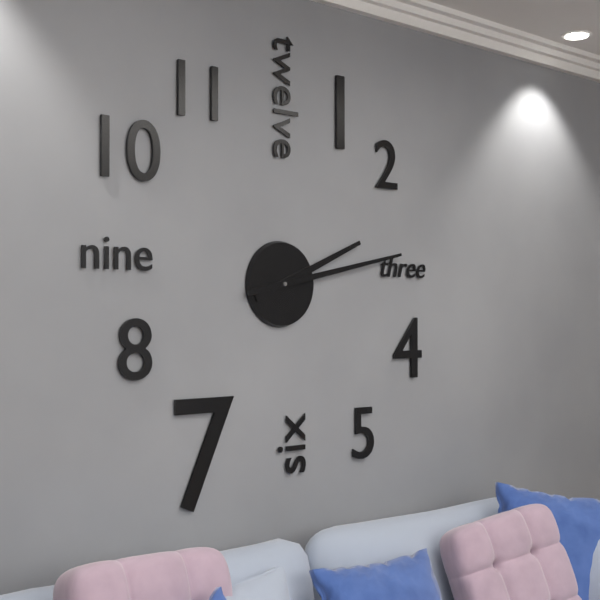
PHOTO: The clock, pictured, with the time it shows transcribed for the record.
2:13
